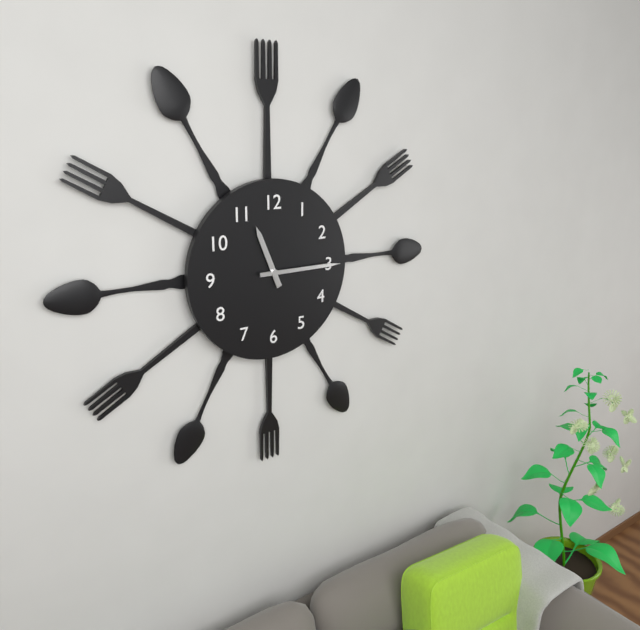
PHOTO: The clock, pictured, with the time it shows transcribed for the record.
11:15
